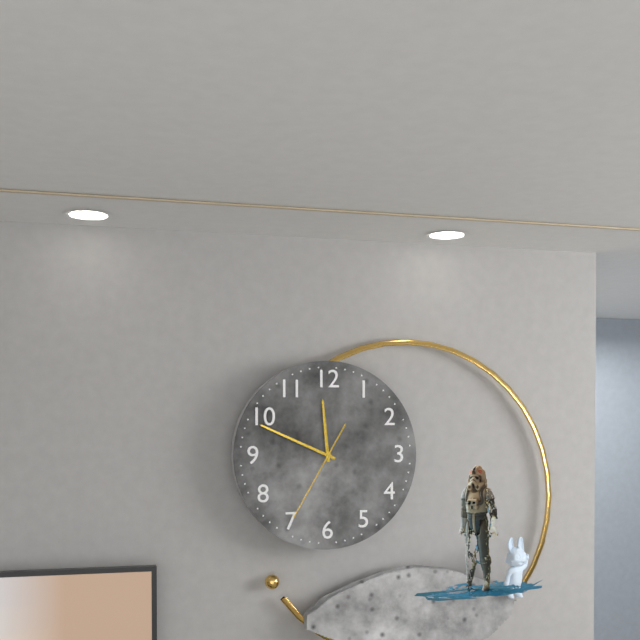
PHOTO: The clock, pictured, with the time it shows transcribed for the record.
11:49:35
